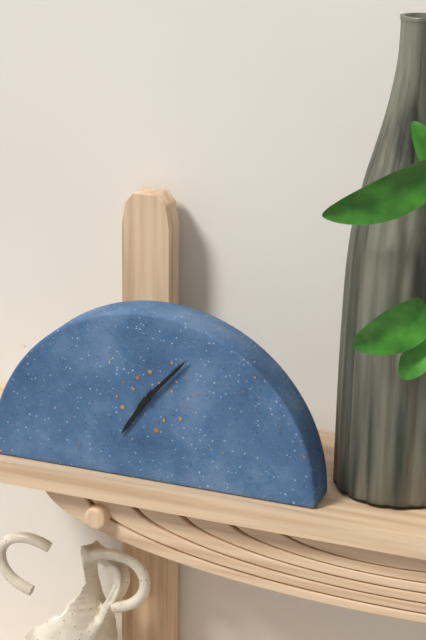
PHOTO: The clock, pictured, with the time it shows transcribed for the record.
7:07
